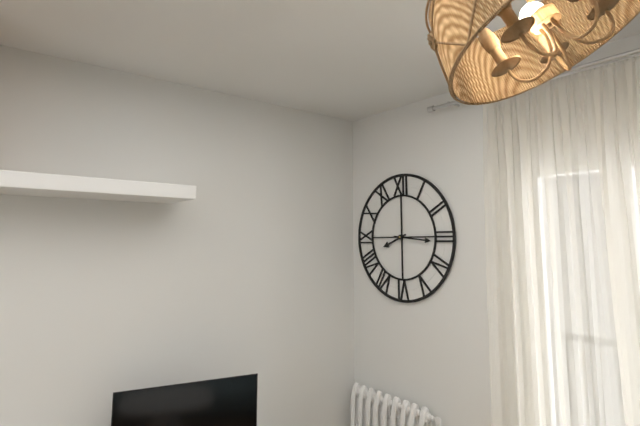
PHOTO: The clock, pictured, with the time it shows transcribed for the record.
8:16
